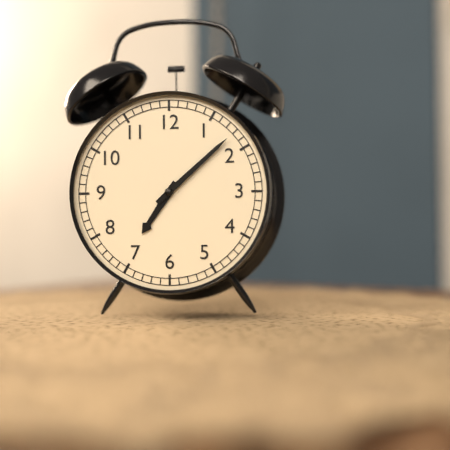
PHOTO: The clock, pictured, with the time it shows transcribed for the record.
7:08
